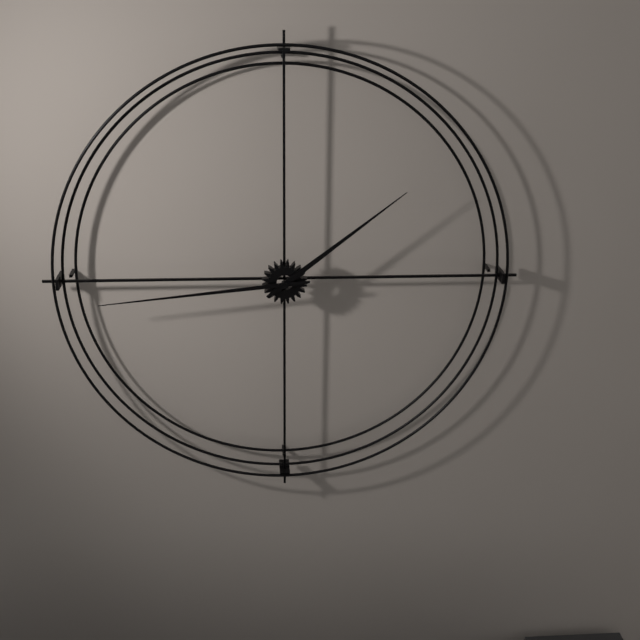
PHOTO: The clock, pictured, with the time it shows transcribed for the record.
1:44
